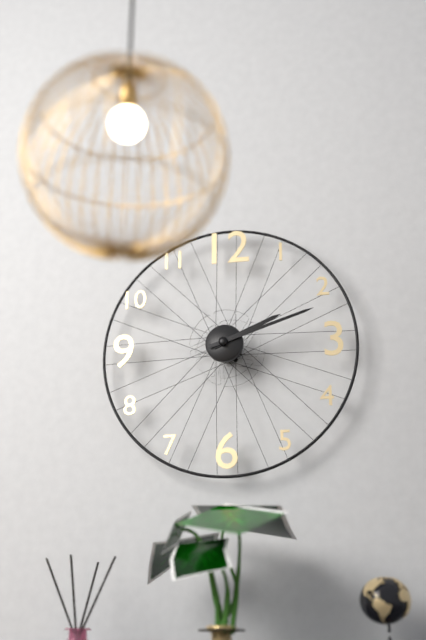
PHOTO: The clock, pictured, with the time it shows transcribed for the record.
2:12
